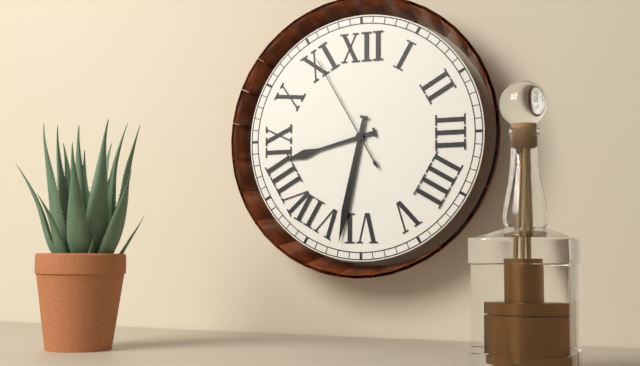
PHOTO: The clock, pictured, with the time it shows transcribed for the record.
8:32:55
